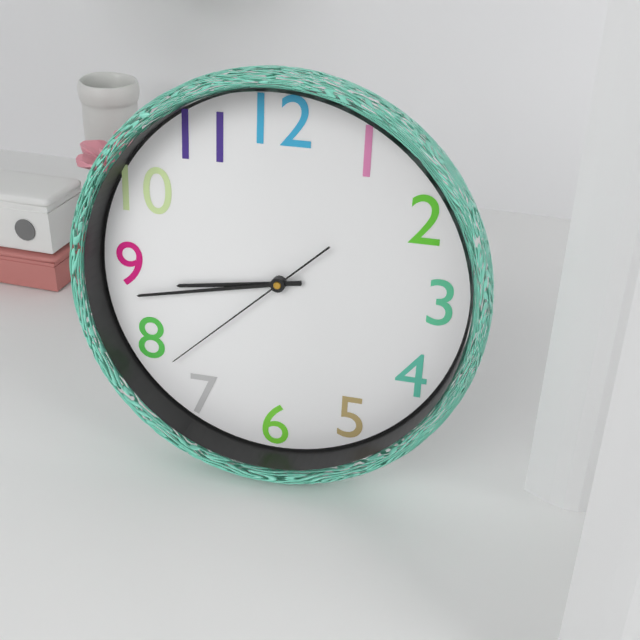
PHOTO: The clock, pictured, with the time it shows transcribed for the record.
8:43:38
